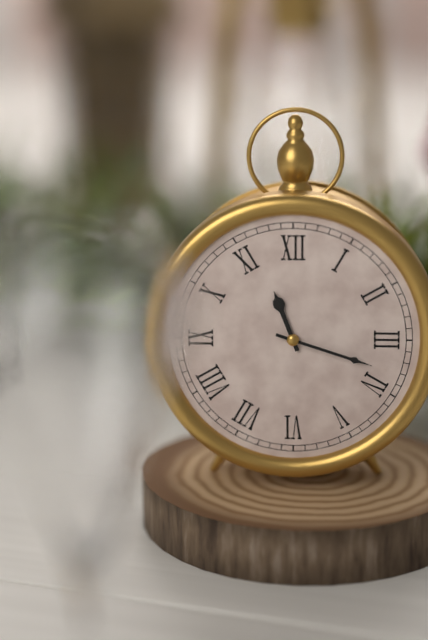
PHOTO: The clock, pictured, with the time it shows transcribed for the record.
11:18
